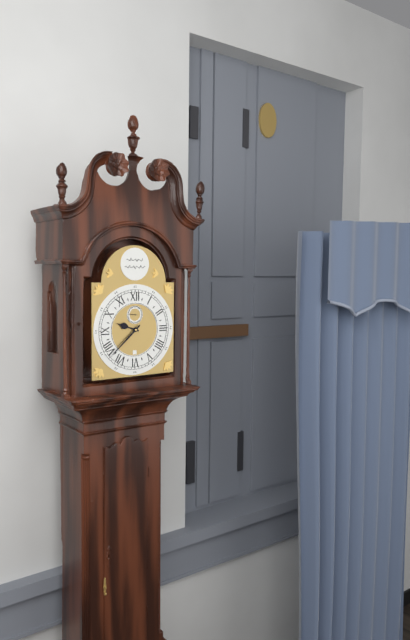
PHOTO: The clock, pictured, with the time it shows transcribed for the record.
9:38
